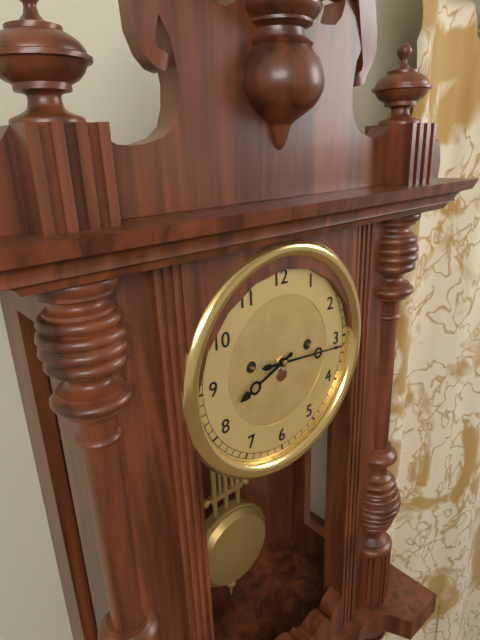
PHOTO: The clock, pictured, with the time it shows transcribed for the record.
8:16
